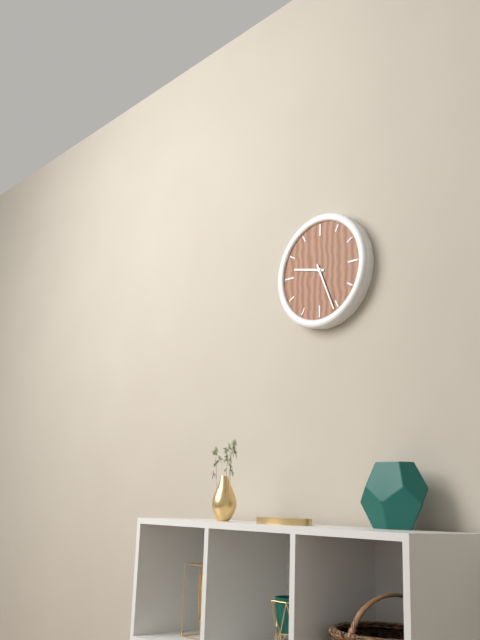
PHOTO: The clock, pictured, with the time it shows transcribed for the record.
9:26
